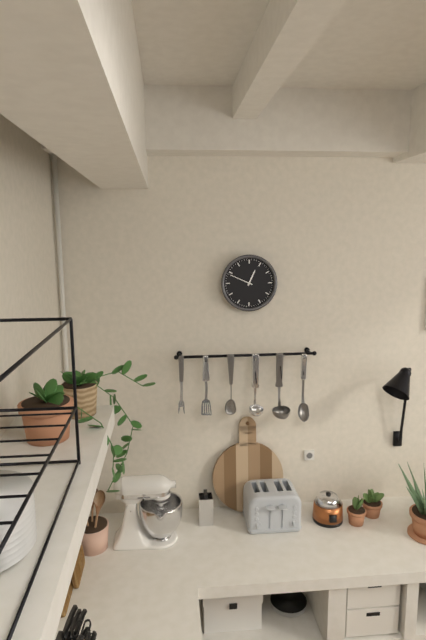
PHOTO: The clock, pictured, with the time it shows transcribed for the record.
12:49
